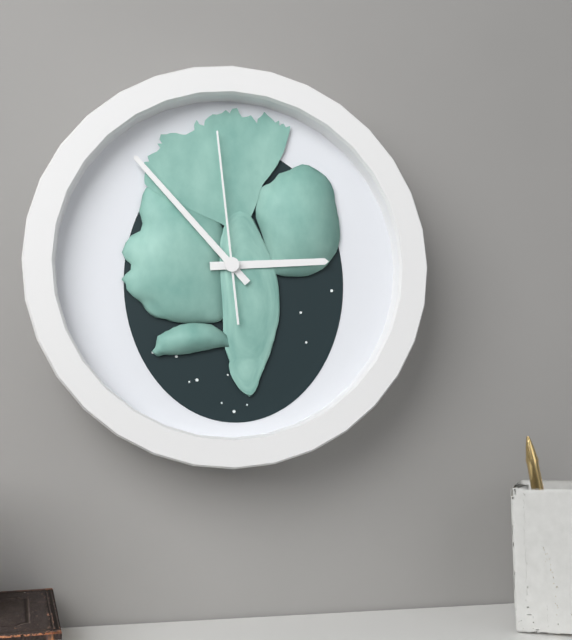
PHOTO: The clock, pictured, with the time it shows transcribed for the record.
2:53:59
